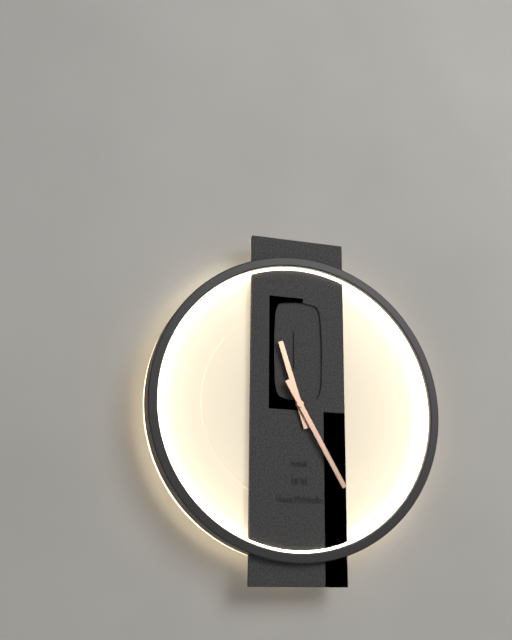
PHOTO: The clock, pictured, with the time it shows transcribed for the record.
11:25
